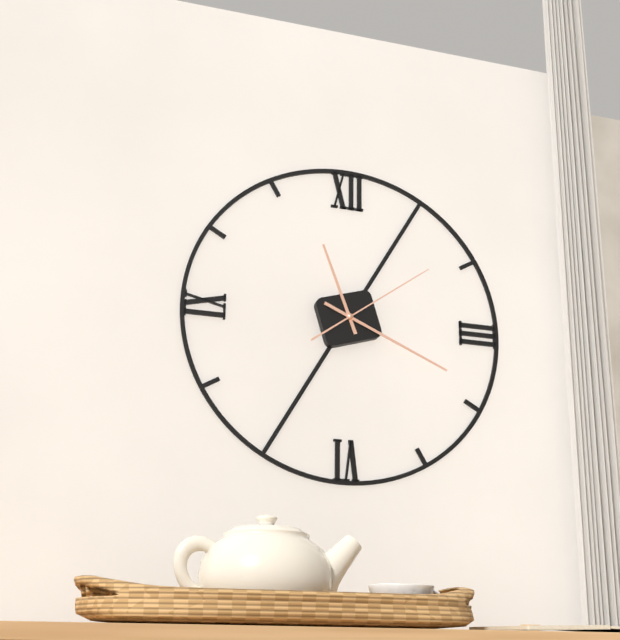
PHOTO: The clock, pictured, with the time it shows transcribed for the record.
11:19:09
